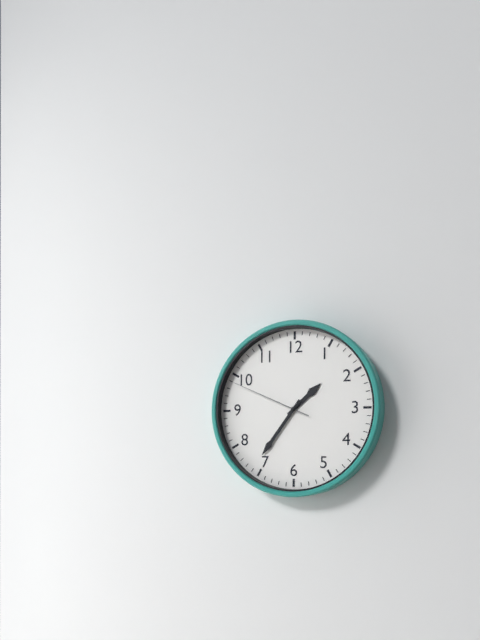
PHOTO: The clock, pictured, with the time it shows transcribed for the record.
1:36:49
